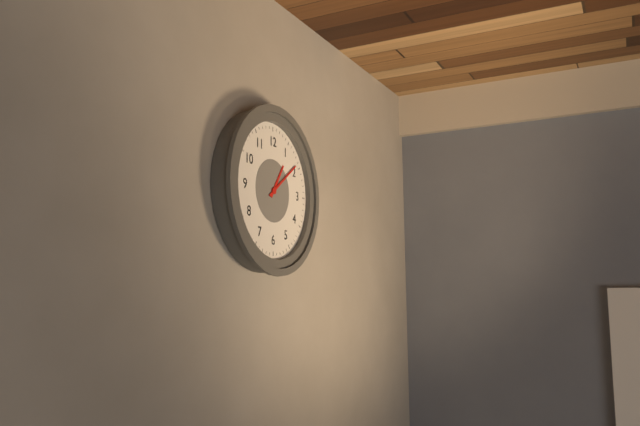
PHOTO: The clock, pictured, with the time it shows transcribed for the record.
1:09
